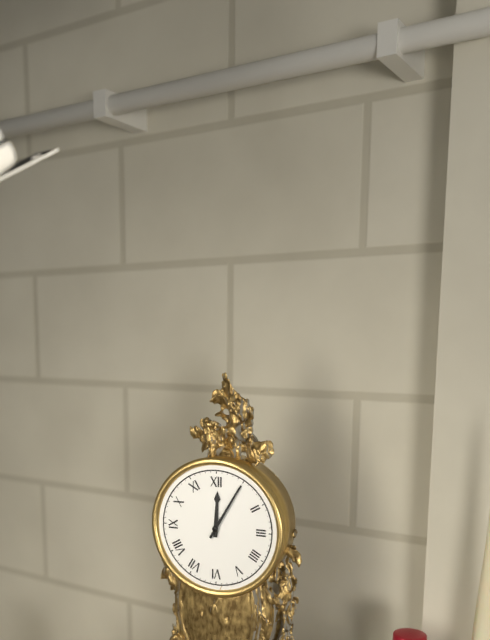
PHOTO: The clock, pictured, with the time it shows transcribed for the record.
12:05
